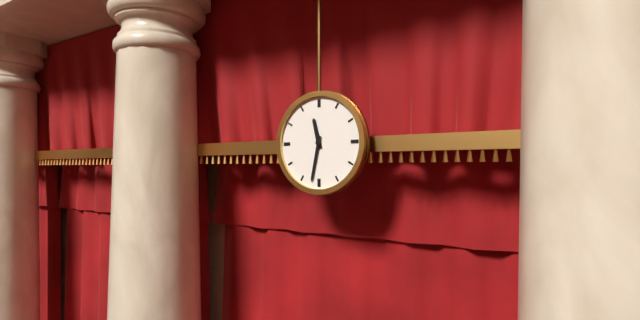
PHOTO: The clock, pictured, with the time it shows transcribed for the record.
11:32
